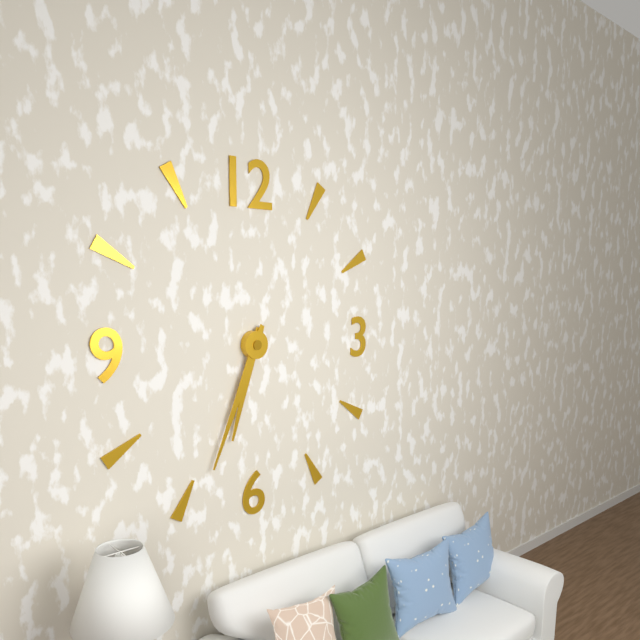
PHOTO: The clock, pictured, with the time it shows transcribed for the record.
6:34
